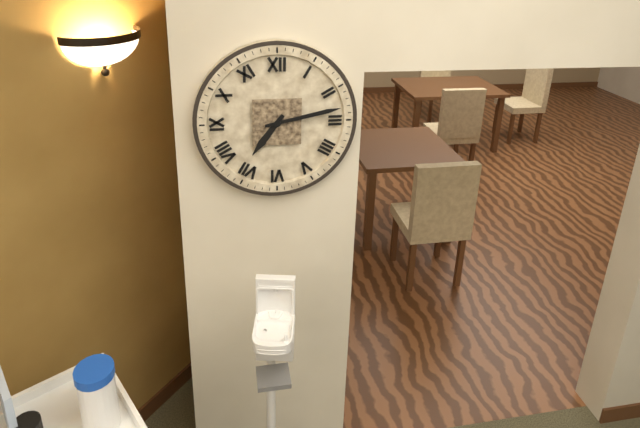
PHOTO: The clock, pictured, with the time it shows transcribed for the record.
7:13
